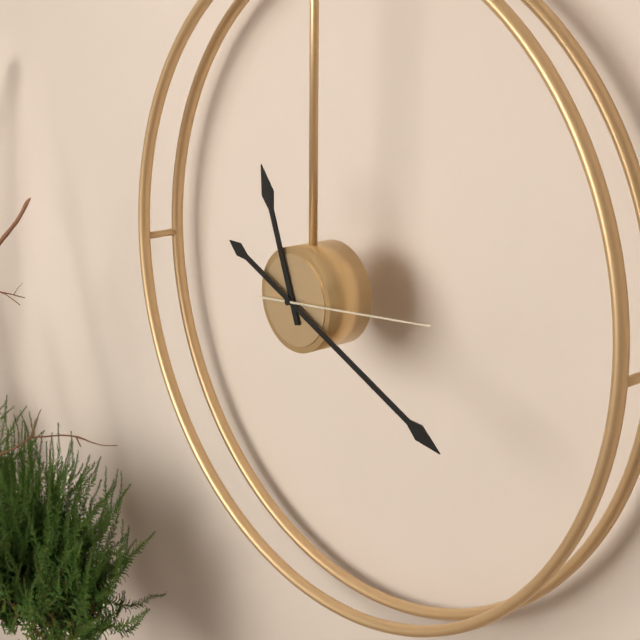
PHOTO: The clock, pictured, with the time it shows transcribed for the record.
11:19:14
